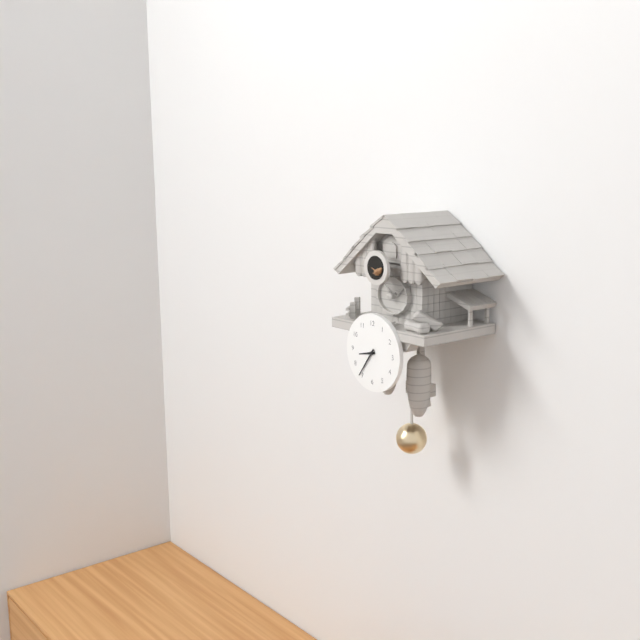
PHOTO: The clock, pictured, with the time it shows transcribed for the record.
8:36
